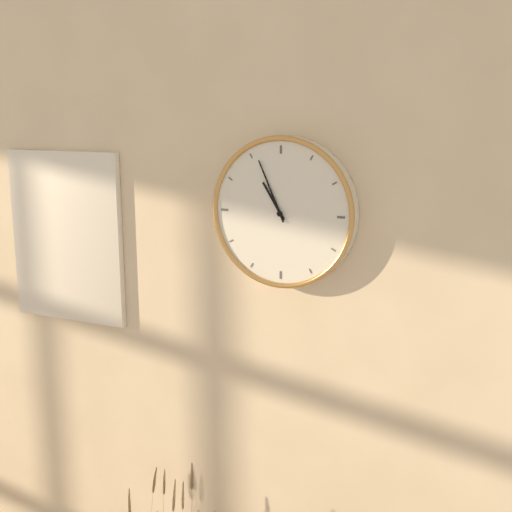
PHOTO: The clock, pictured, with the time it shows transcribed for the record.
10:56
